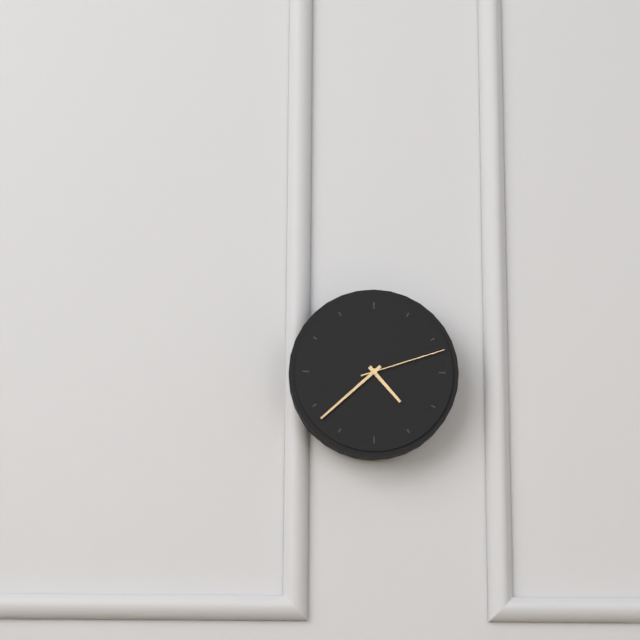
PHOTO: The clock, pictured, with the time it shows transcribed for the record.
4:38:12
